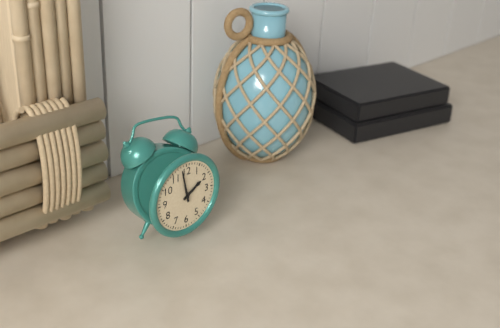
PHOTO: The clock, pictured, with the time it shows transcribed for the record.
1:58
